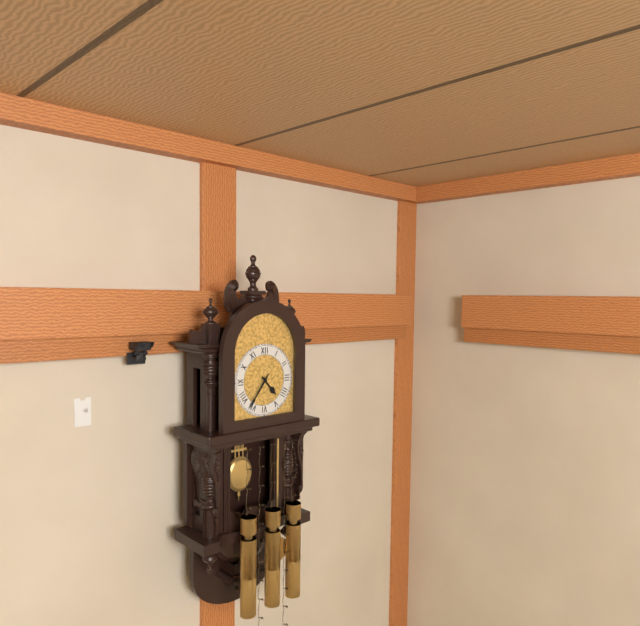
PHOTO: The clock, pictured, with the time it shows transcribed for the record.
4:36
